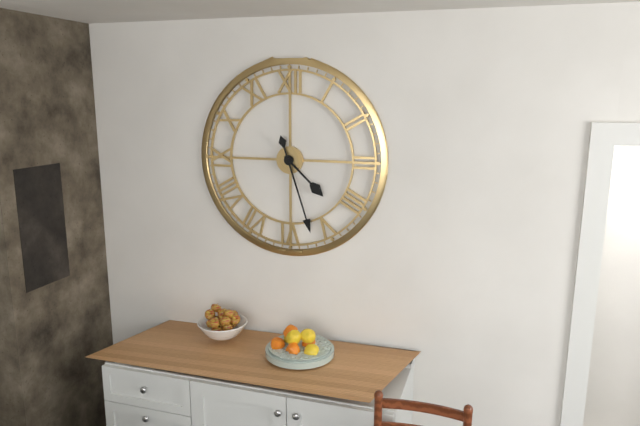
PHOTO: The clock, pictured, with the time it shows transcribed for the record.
4:27
